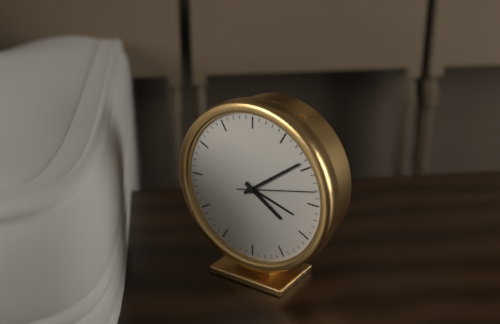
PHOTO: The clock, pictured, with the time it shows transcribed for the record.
4:09:13
